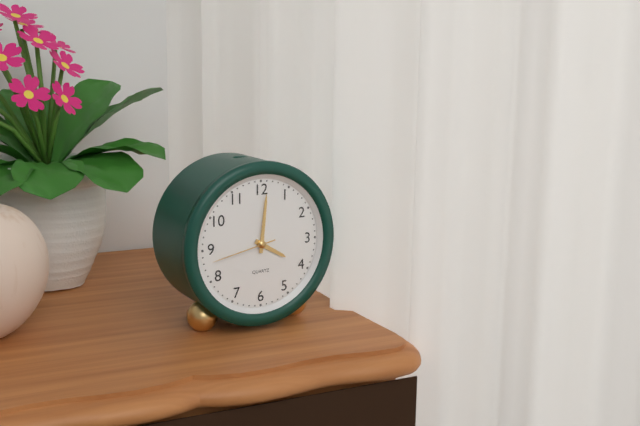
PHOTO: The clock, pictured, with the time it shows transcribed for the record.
4:01:43
